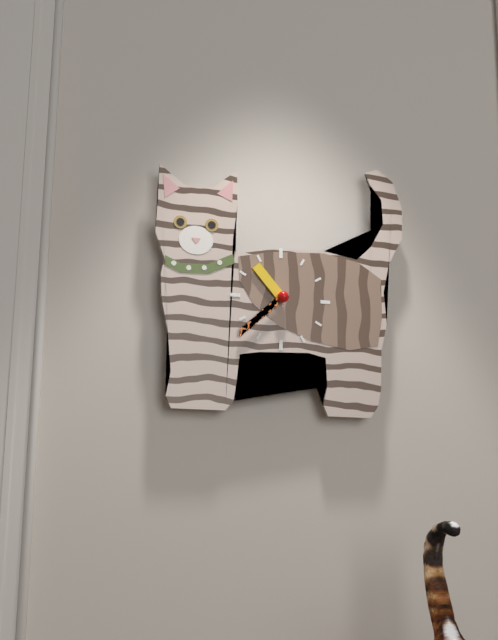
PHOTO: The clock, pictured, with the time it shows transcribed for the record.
10:38
